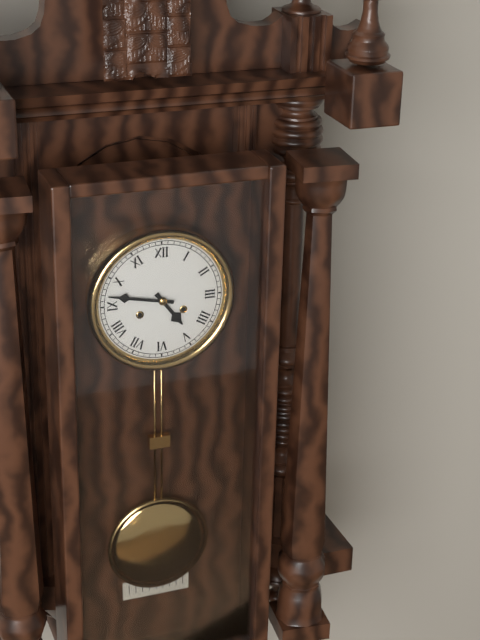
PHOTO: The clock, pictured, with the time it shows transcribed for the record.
4:47
